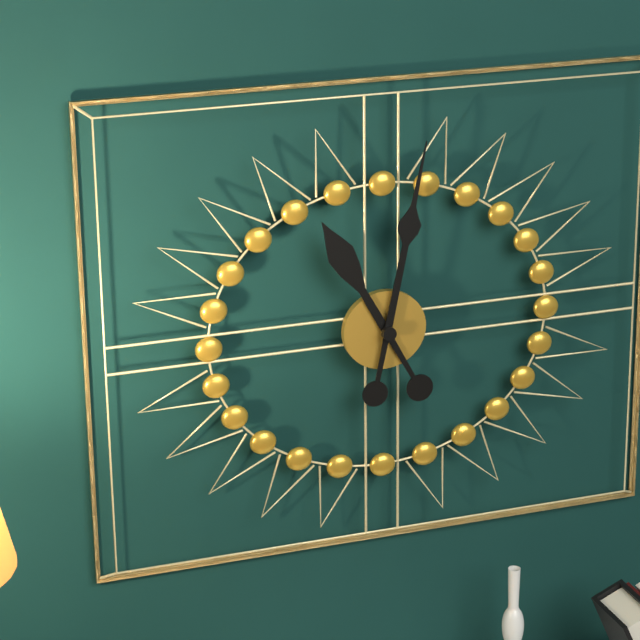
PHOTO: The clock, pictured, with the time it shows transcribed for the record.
11:02
